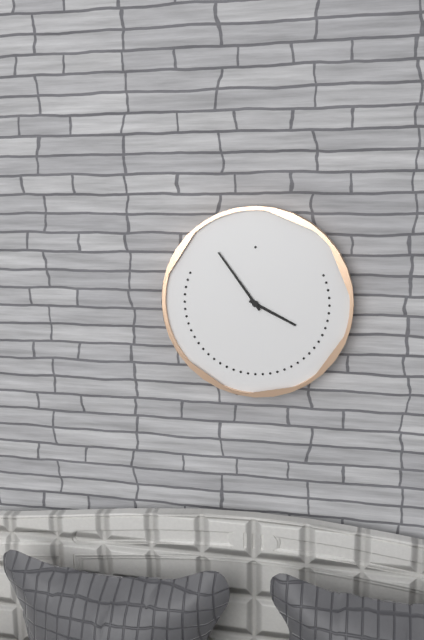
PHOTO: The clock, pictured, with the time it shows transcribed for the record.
3:54
